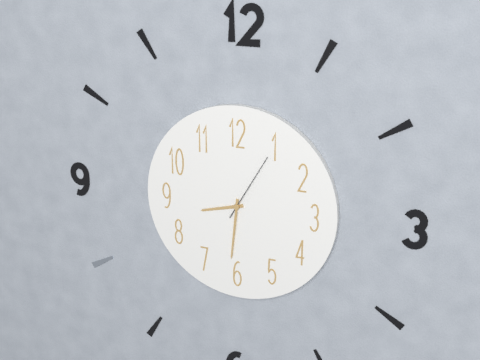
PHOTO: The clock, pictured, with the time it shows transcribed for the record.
8:31:05
